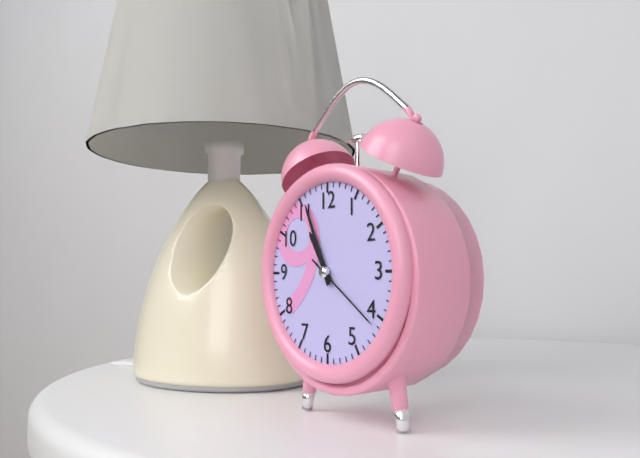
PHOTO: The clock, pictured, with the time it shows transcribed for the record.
10:56:21
